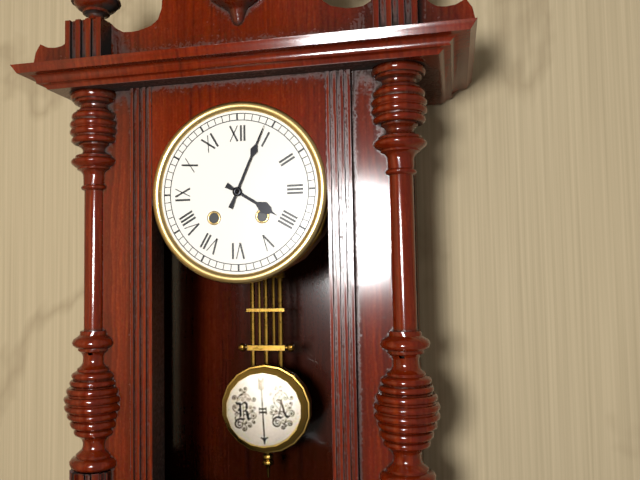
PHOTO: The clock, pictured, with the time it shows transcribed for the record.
4:04
